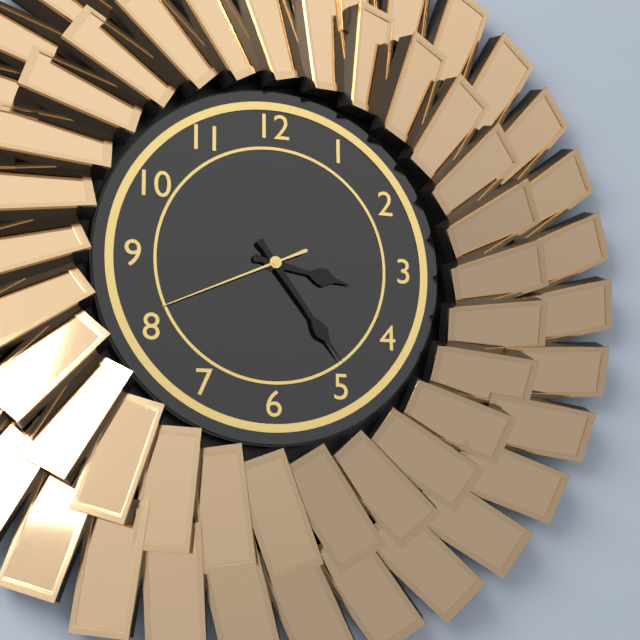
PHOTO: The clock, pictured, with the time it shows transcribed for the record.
3:24:41
